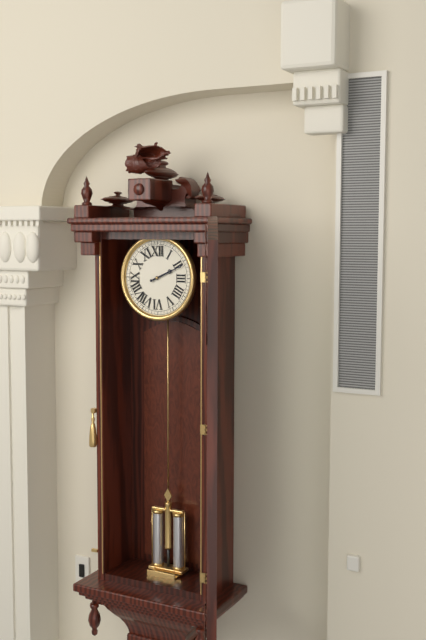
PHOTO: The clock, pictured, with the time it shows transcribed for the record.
2:11
